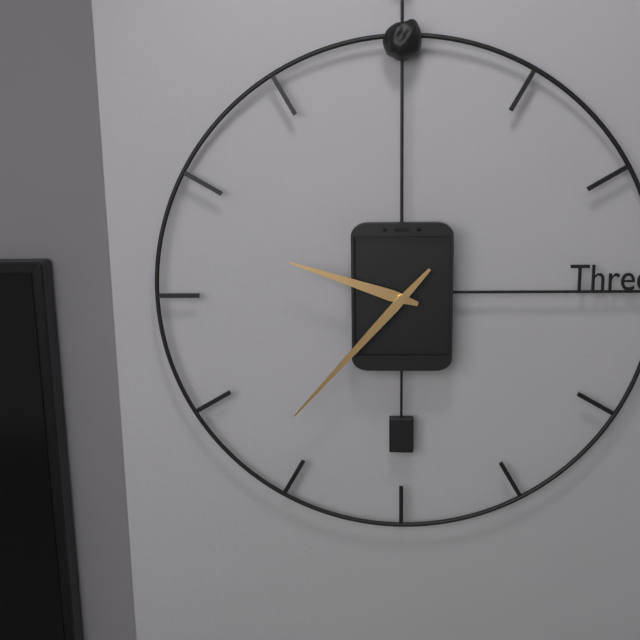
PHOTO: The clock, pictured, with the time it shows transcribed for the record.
9:37
